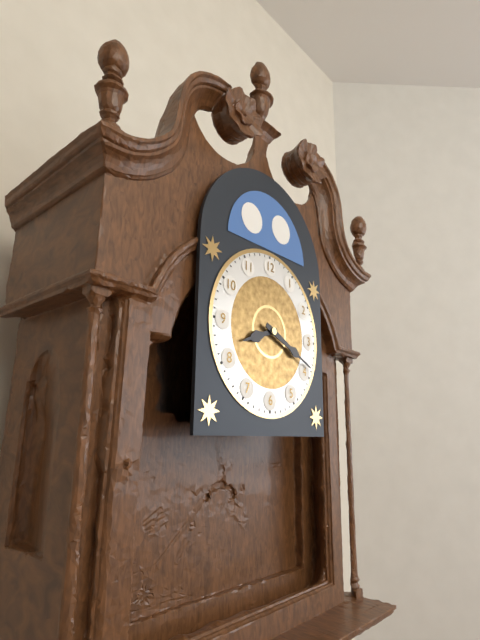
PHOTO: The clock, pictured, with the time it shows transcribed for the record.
8:19
